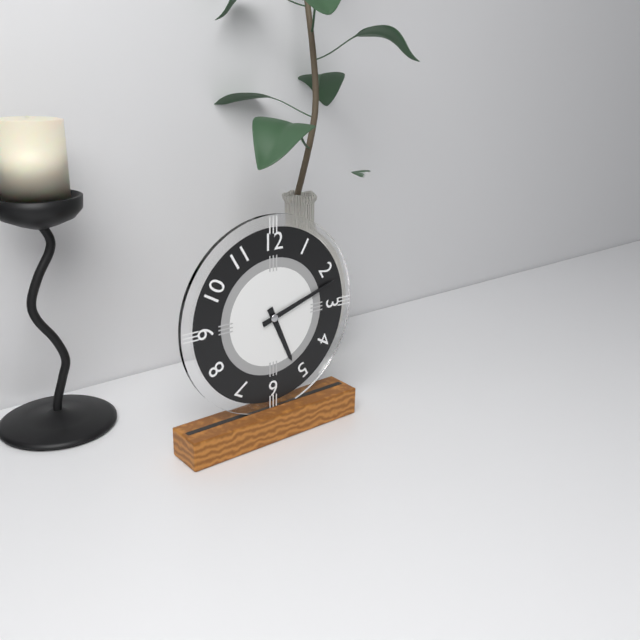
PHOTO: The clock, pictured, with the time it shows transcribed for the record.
5:12
